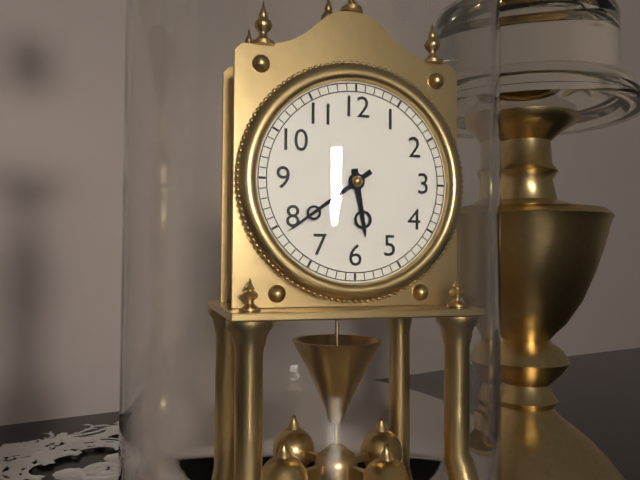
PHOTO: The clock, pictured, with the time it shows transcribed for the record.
5:39
